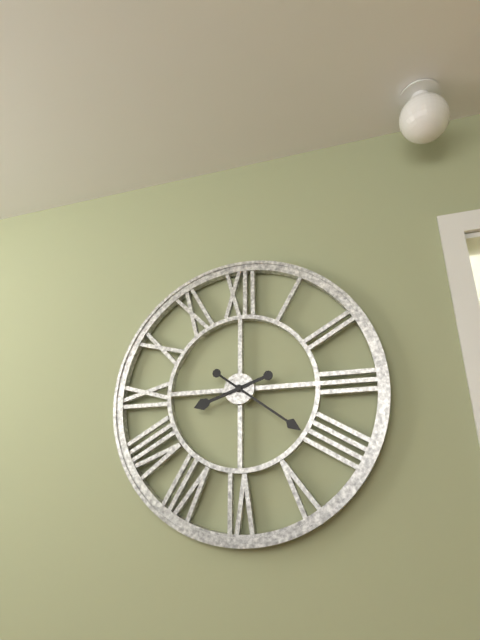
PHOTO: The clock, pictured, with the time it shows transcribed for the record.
8:21
